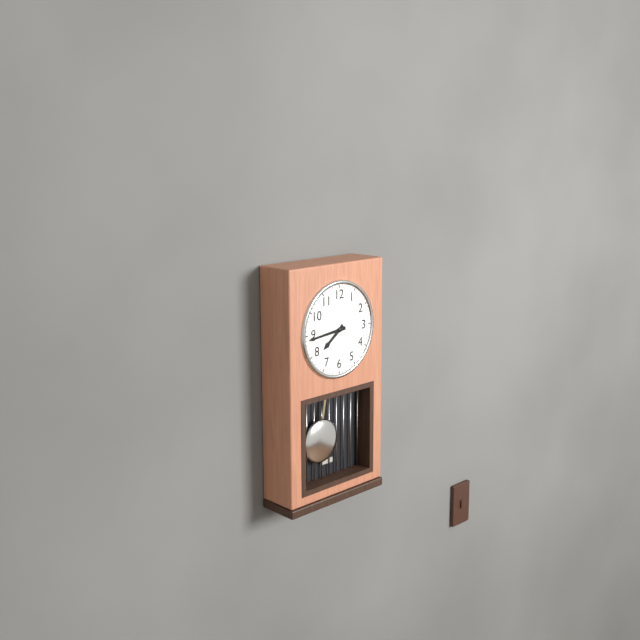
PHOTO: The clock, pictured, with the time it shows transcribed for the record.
7:44
